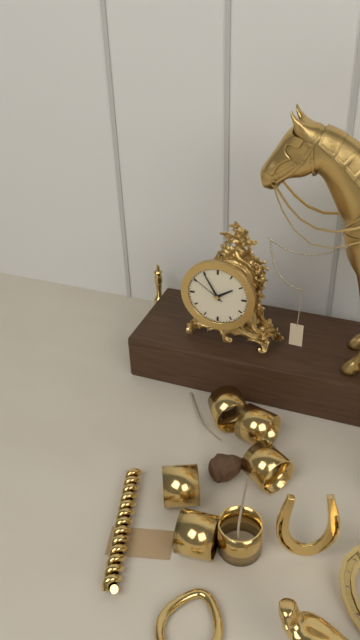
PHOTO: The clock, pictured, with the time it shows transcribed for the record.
1:55
